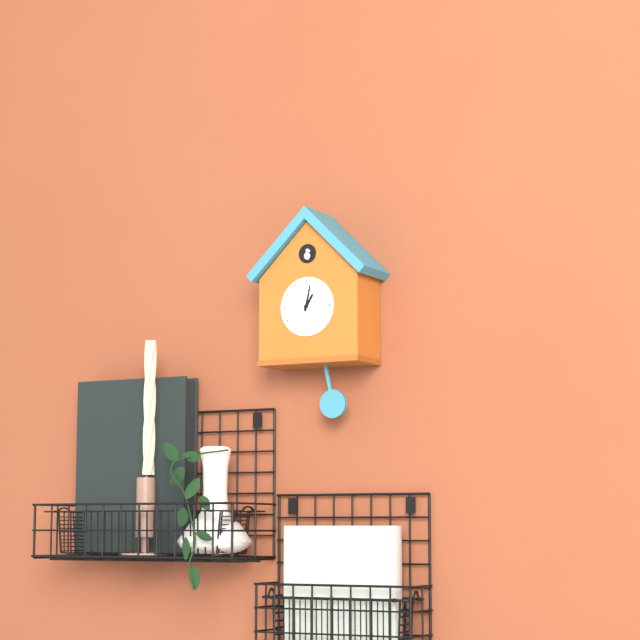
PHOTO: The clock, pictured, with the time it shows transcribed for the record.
1:02
